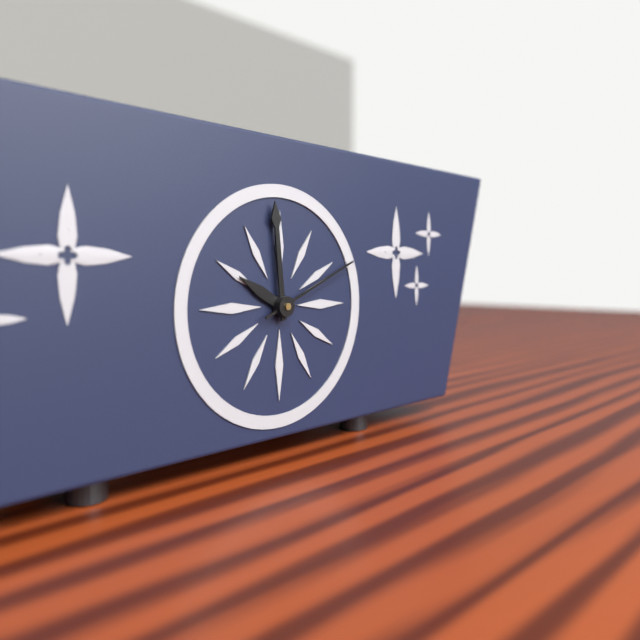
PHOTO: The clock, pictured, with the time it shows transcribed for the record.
9:59:11
